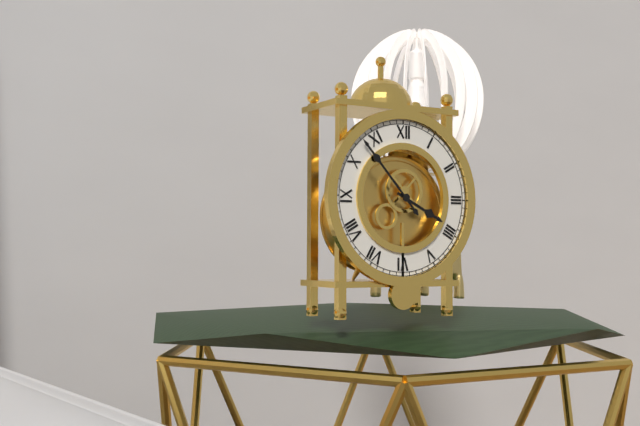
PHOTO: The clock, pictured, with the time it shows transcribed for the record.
3:53
